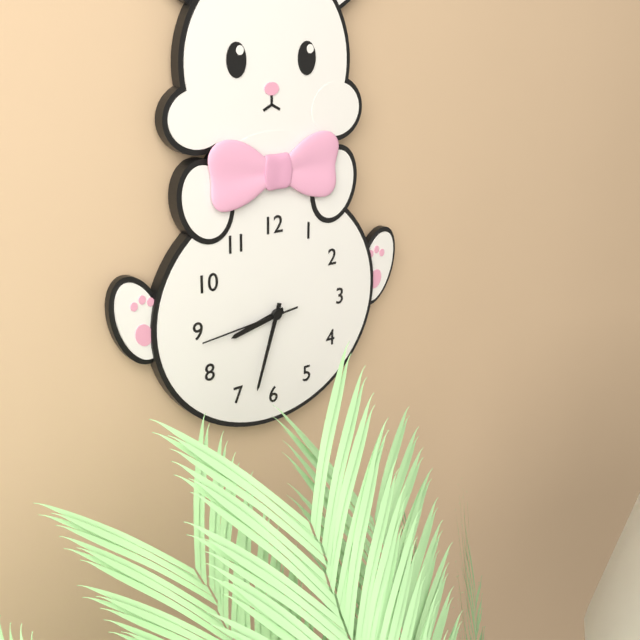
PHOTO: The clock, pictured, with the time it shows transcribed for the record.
8:33:44
